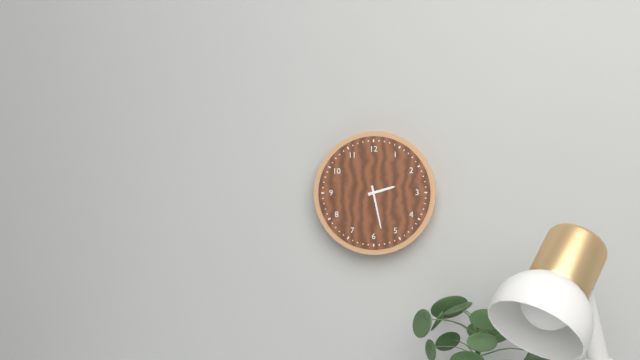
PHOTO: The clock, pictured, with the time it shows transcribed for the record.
2:28
